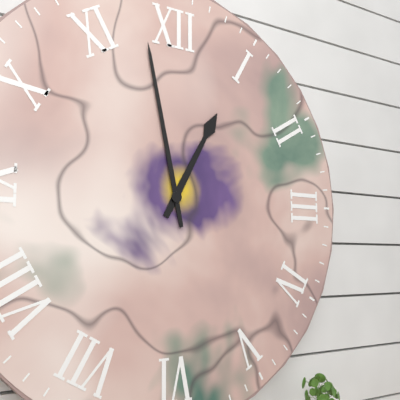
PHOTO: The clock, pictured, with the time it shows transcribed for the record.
12:58
